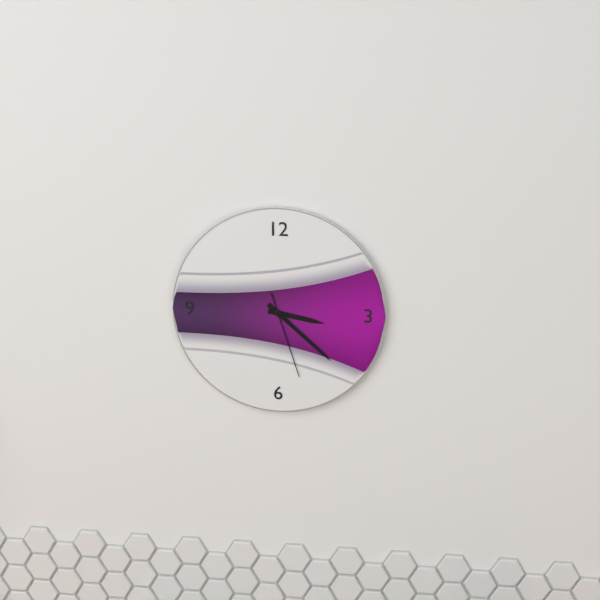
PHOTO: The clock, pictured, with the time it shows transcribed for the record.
3:22:27
